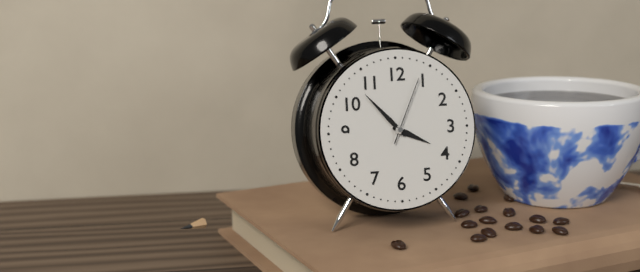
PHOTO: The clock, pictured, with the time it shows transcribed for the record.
3:53:04
